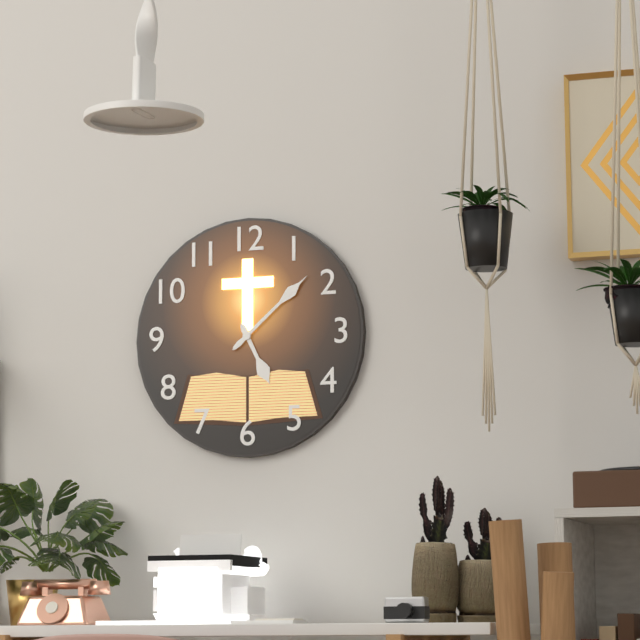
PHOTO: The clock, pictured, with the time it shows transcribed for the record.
5:08
